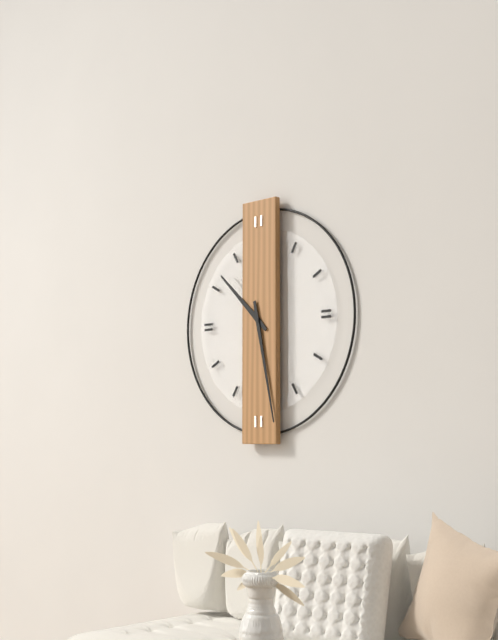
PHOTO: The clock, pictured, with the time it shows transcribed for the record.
10:28
